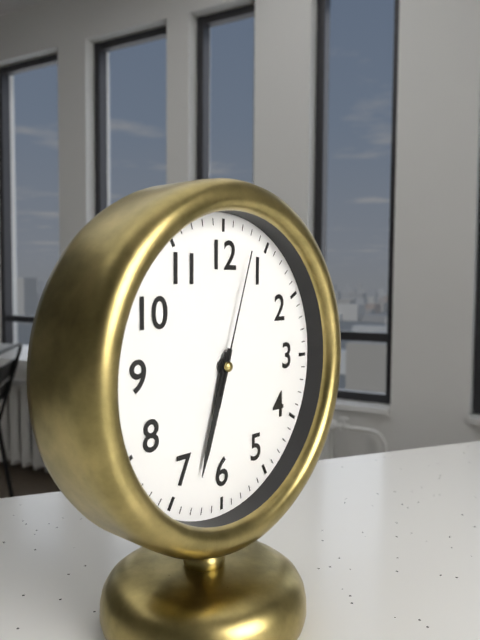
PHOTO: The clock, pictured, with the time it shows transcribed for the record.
6:33:03
